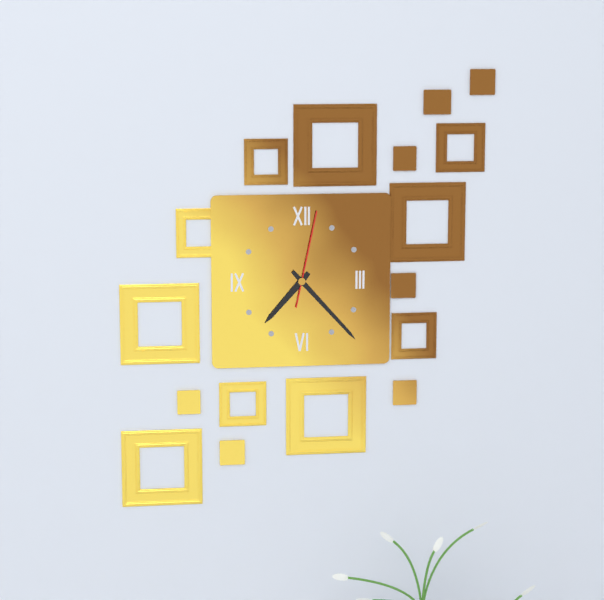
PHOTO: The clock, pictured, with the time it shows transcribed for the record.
7:23:02
